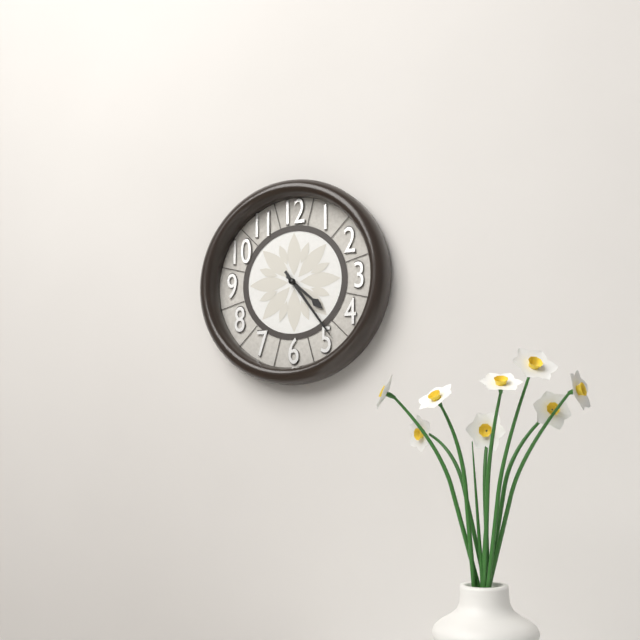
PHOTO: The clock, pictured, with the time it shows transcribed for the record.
4:24
